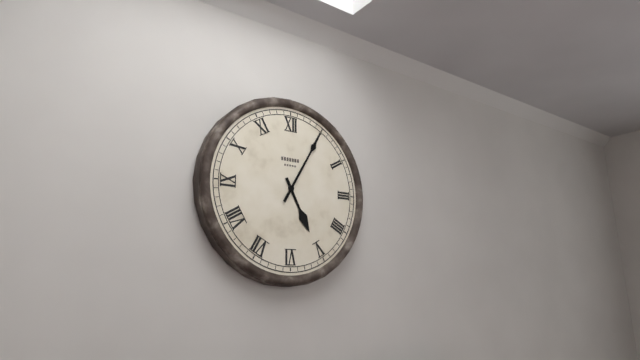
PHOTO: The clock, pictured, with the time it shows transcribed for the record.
5:05
